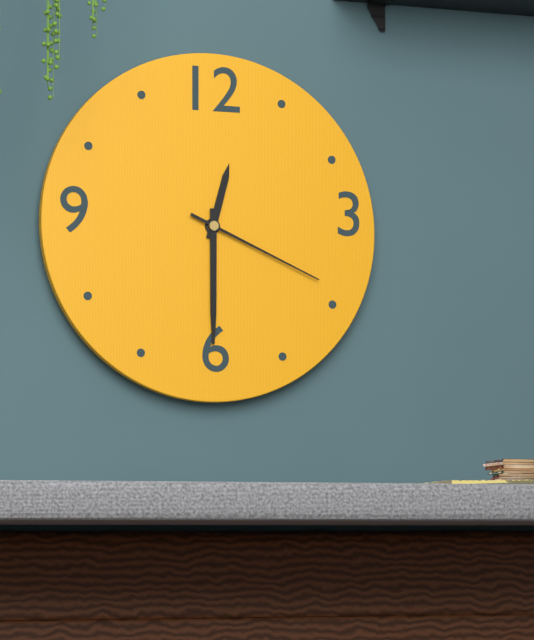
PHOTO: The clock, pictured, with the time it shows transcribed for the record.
12:30:19
